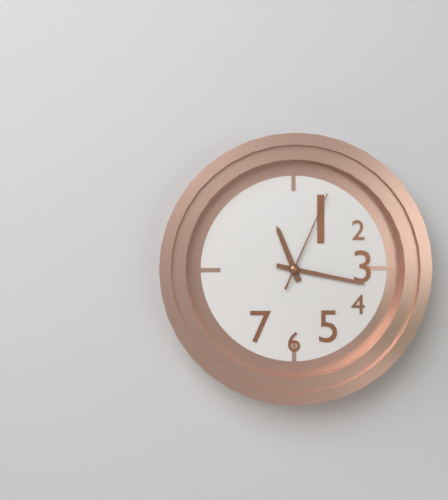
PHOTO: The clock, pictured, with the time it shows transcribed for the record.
11:17:04
